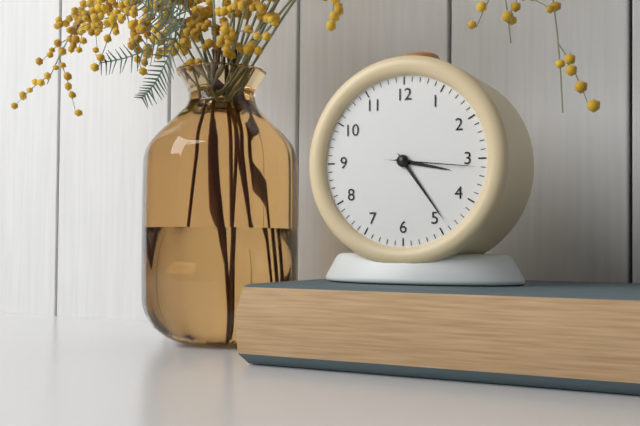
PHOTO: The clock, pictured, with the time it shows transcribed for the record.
3:24:16
